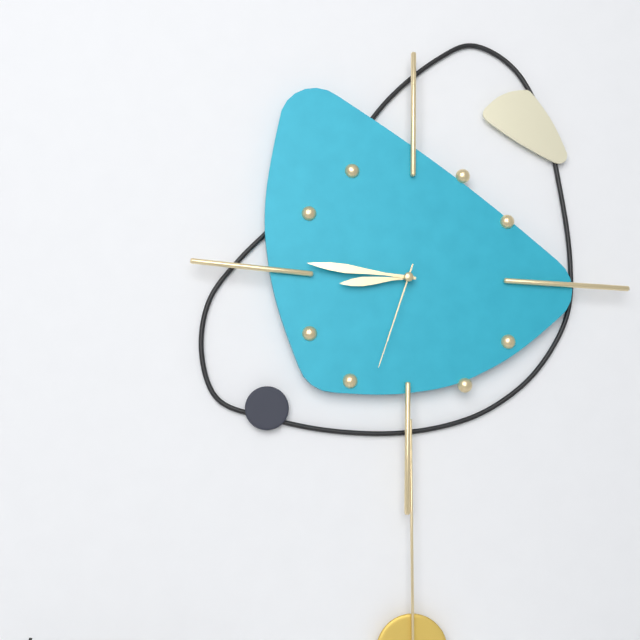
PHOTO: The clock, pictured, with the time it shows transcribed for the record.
8:46:33
